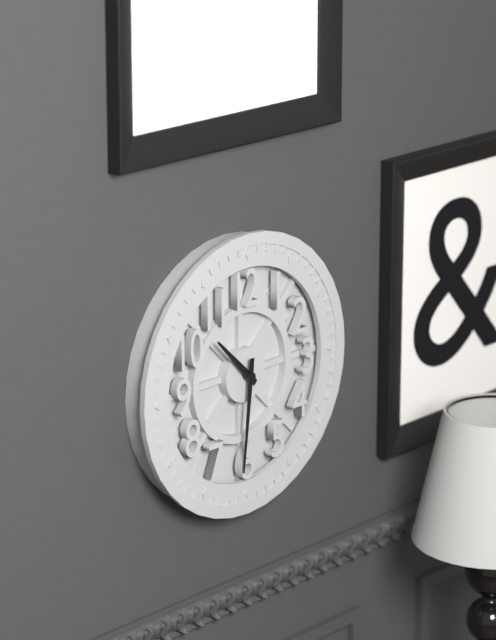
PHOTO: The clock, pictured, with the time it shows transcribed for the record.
10:31
